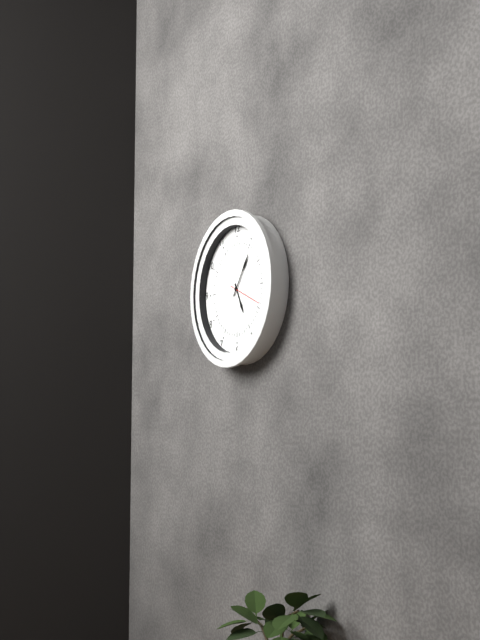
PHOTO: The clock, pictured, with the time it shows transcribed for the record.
5:06
